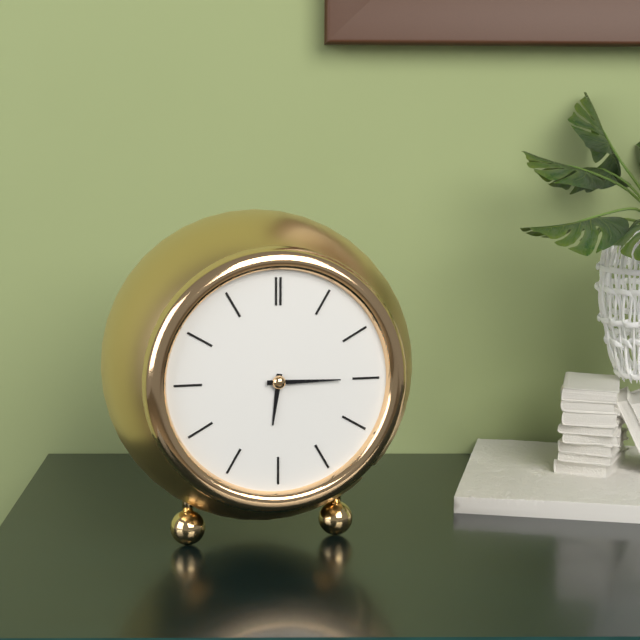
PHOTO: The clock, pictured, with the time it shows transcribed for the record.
6:15
